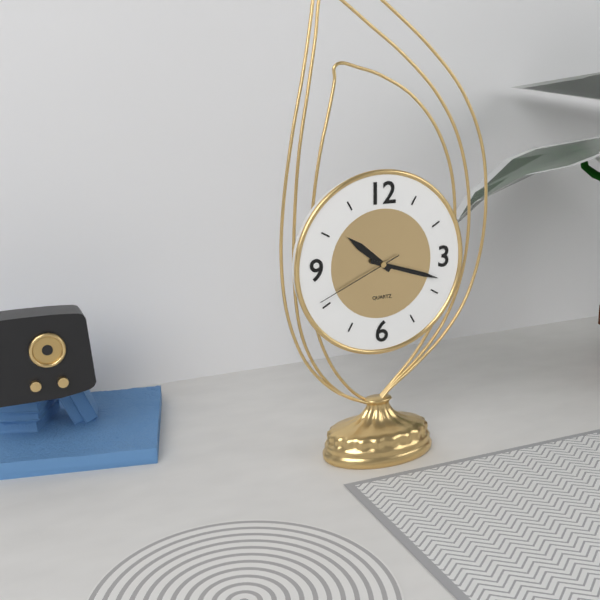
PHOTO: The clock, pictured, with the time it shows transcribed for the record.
10:18:41
